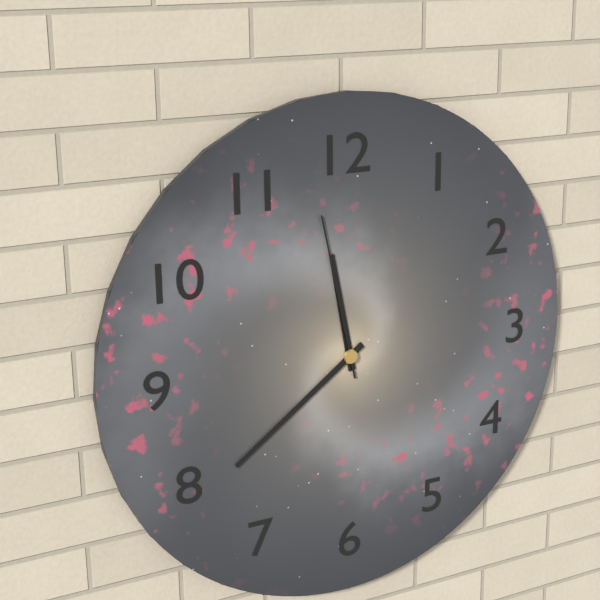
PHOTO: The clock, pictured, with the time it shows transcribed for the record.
11:39:58
